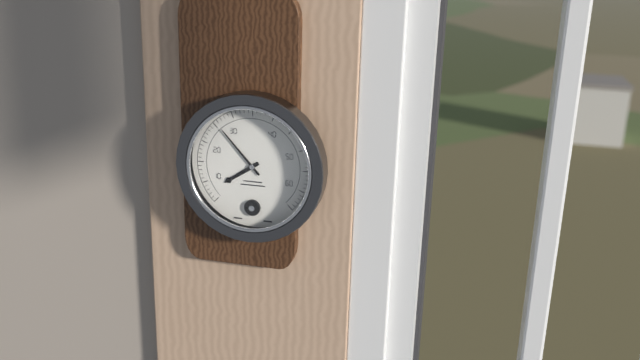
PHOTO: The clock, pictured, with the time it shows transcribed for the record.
7:53
